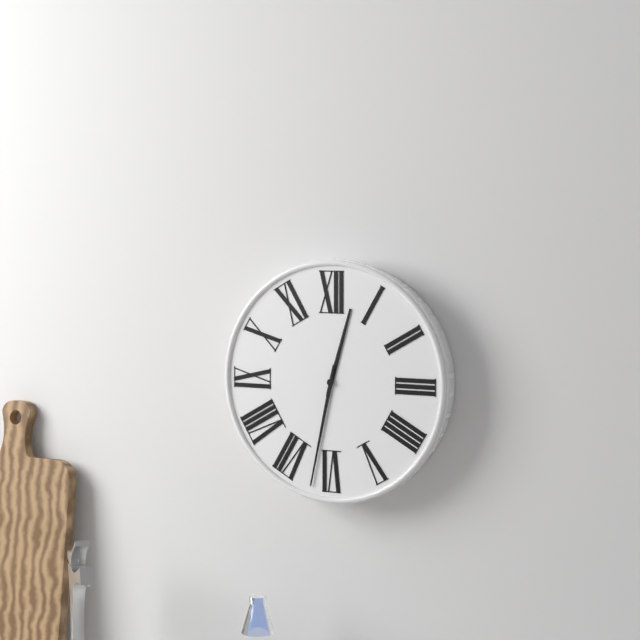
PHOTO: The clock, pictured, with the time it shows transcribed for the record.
12:32
